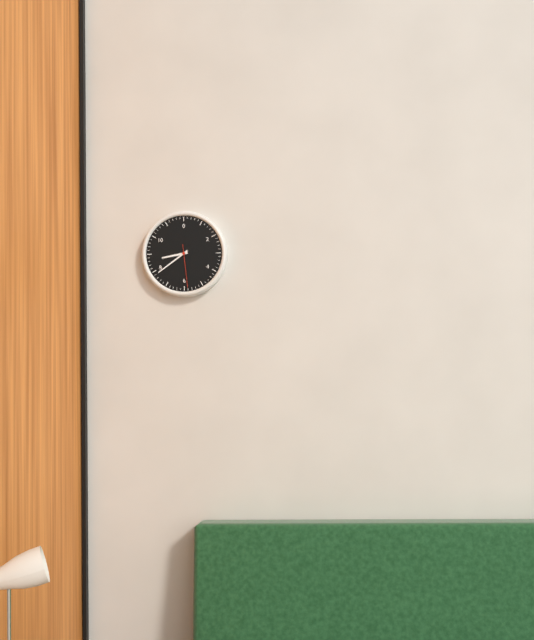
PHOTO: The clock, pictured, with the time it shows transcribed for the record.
8:39
